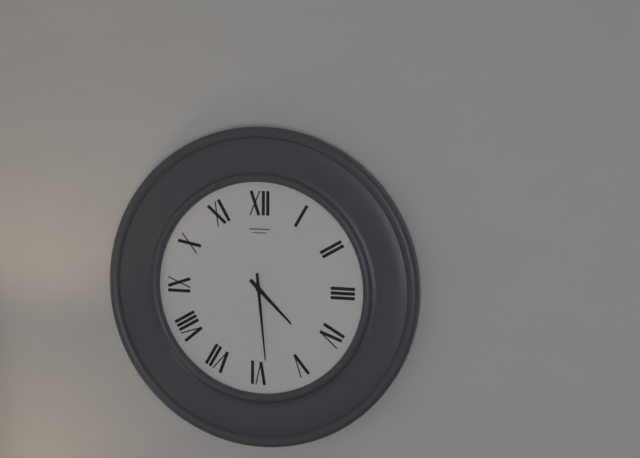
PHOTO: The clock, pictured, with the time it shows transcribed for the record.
4:29
